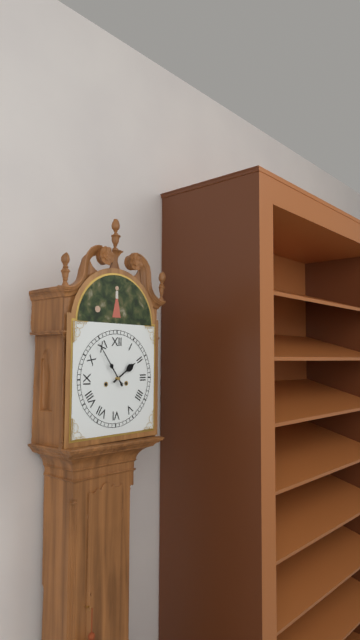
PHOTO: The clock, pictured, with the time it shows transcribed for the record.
1:54
